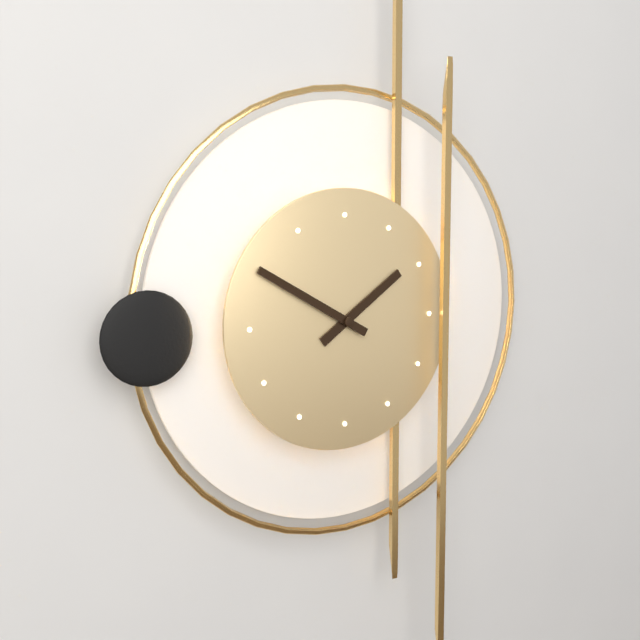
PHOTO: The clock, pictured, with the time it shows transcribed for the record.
1:50
